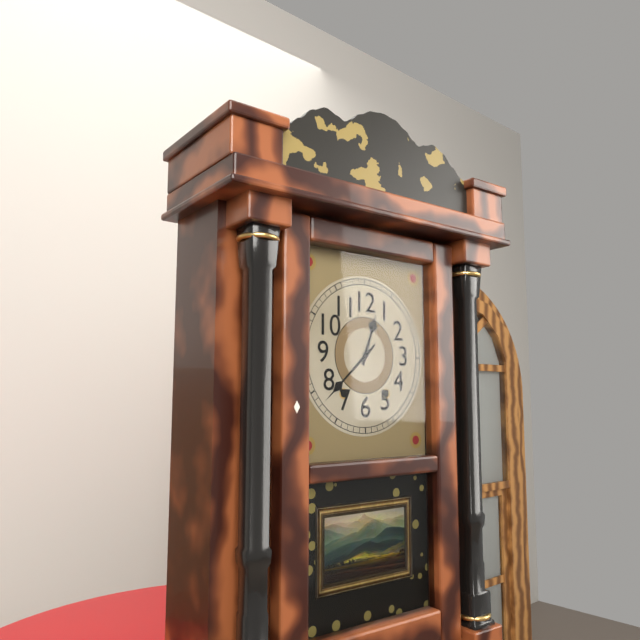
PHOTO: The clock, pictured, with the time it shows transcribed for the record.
12:38
